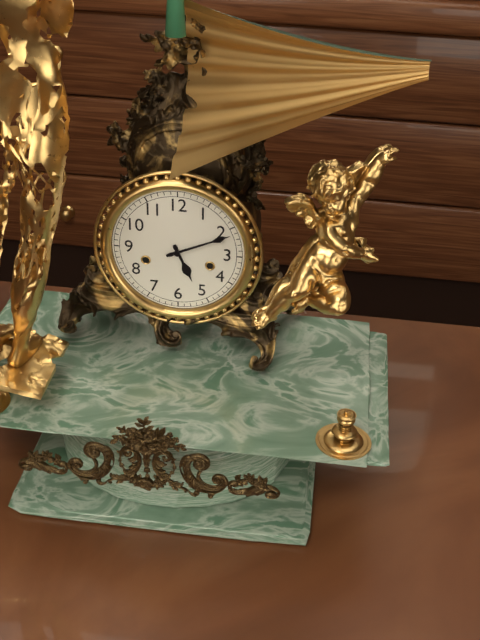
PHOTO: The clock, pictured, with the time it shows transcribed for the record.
5:11
